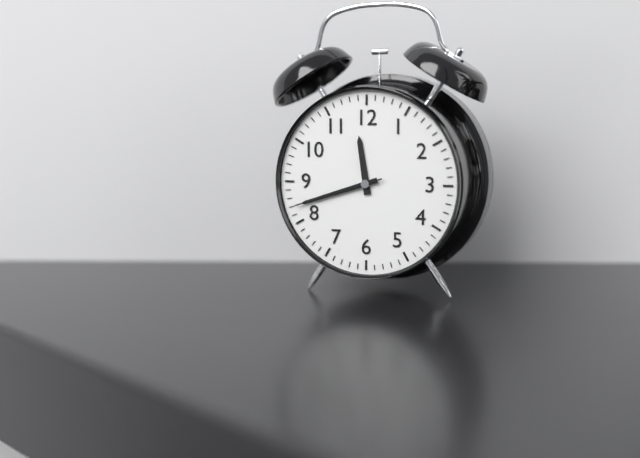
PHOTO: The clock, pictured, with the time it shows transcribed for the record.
11:42:42
